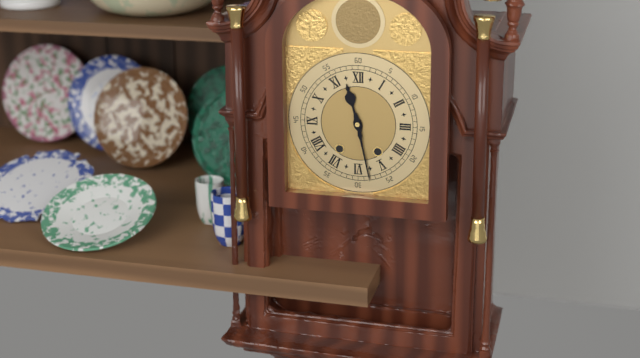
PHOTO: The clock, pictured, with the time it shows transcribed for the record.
11:28
